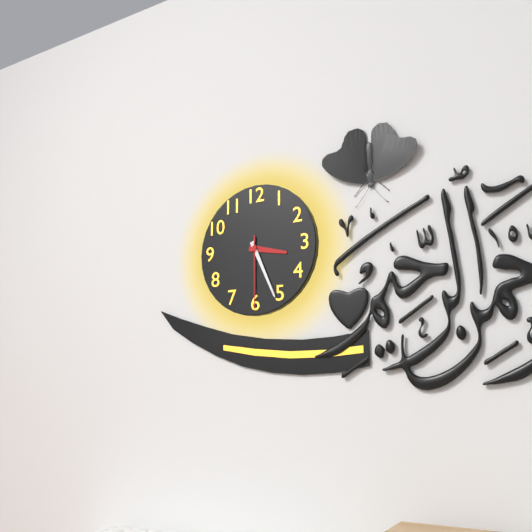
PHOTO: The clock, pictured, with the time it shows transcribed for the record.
3:26:30
